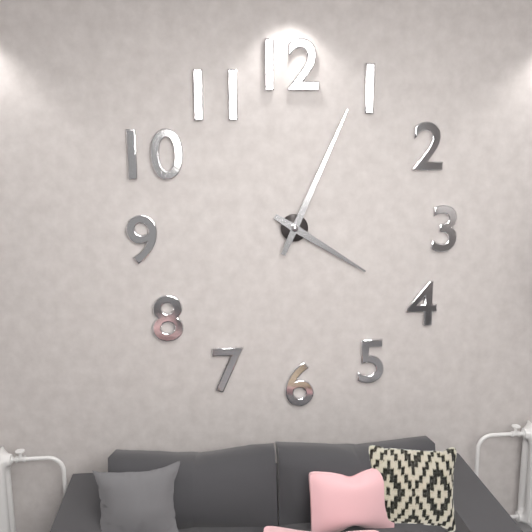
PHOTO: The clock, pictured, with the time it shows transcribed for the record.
4:04
